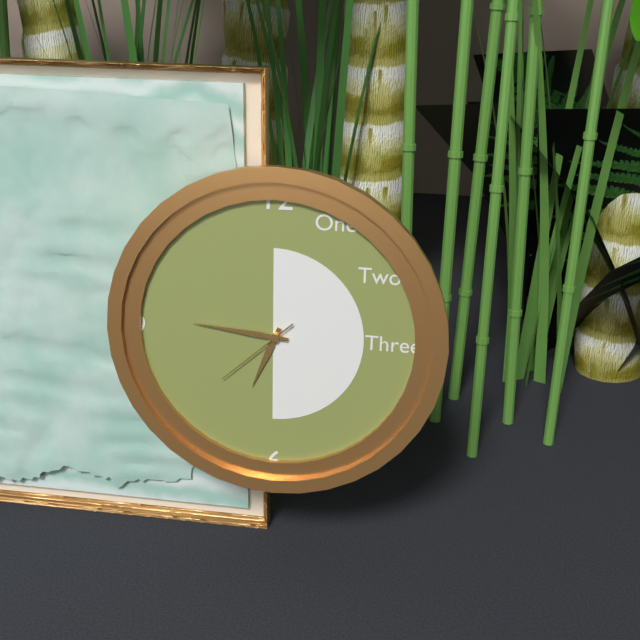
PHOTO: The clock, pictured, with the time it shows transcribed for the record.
6:46:38
